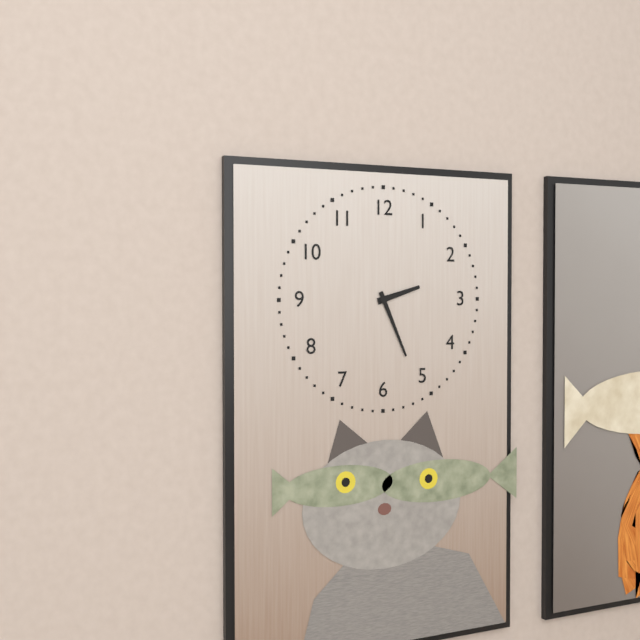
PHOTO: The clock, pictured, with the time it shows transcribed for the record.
2:26
